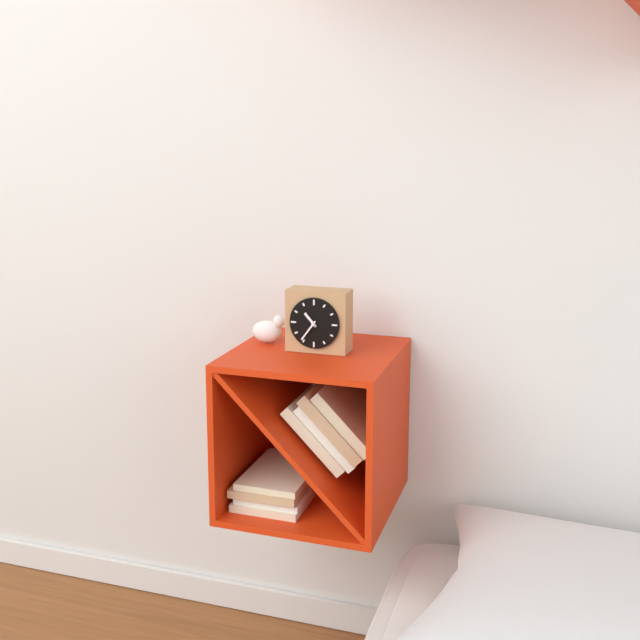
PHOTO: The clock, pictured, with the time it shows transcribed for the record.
10:36
